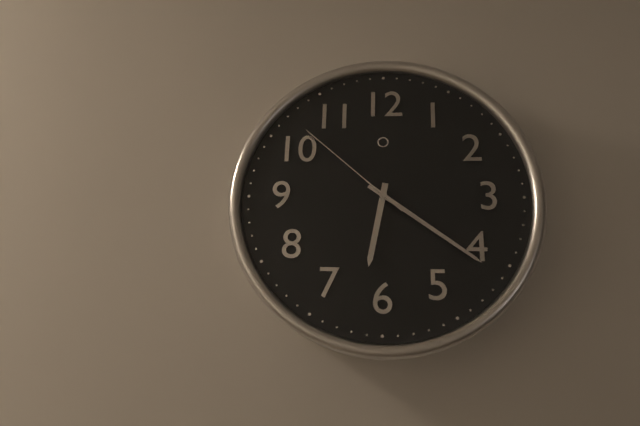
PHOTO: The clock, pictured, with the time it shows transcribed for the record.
6:21:52
